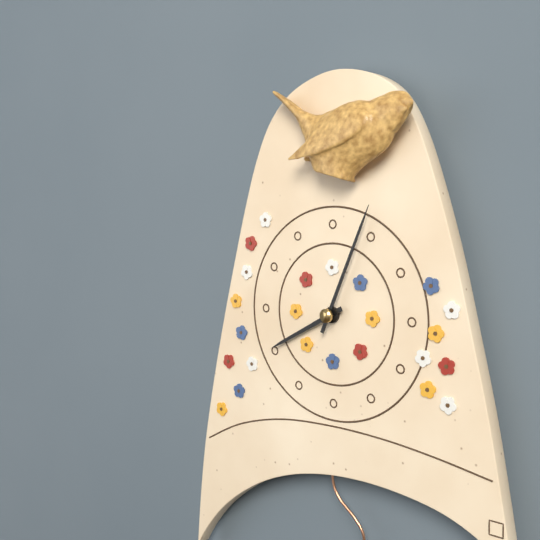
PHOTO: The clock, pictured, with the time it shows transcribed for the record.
8:04
